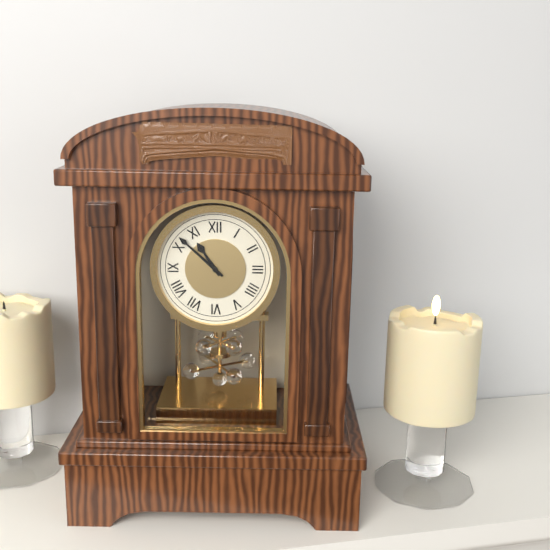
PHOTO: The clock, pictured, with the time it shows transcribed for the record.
10:52
